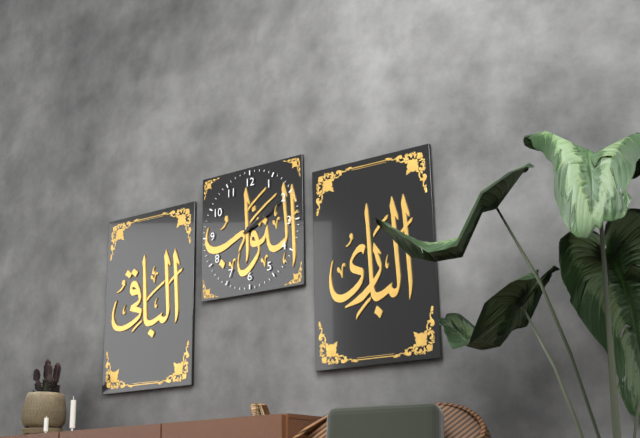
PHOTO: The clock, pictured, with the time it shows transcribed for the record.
2:10
